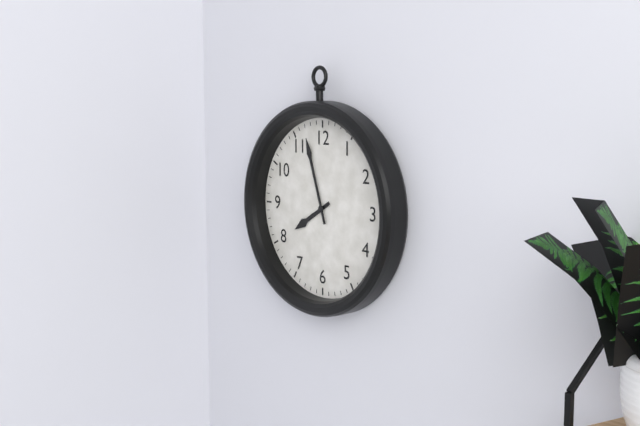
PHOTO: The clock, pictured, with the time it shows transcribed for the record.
7:57
